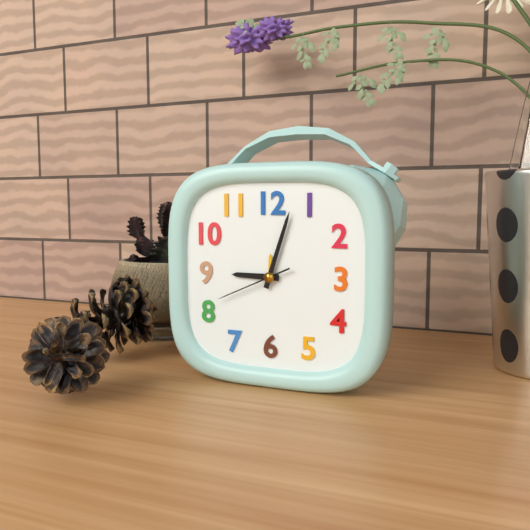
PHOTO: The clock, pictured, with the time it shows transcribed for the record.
9:03:41
